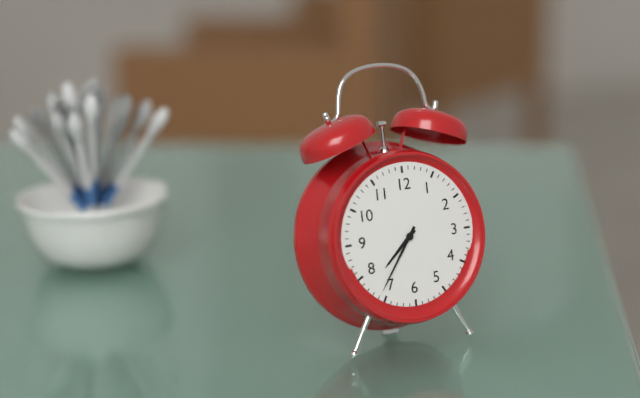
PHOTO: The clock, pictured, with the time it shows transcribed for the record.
7:36
